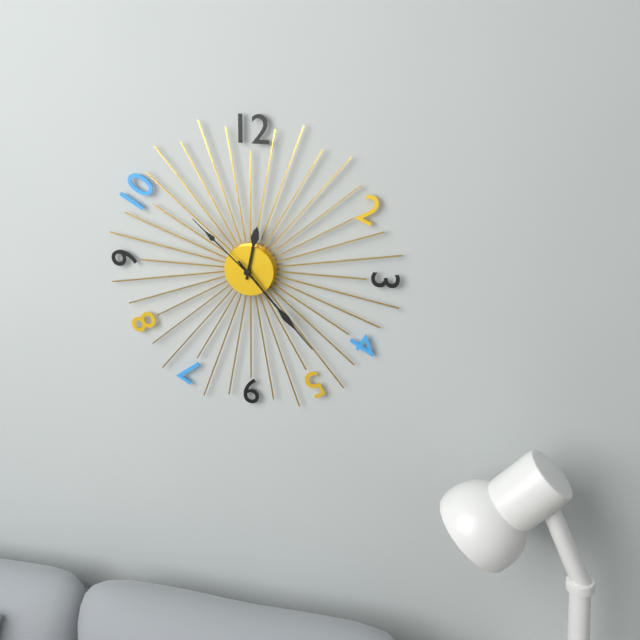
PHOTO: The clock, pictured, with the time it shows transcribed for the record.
12:23:52
